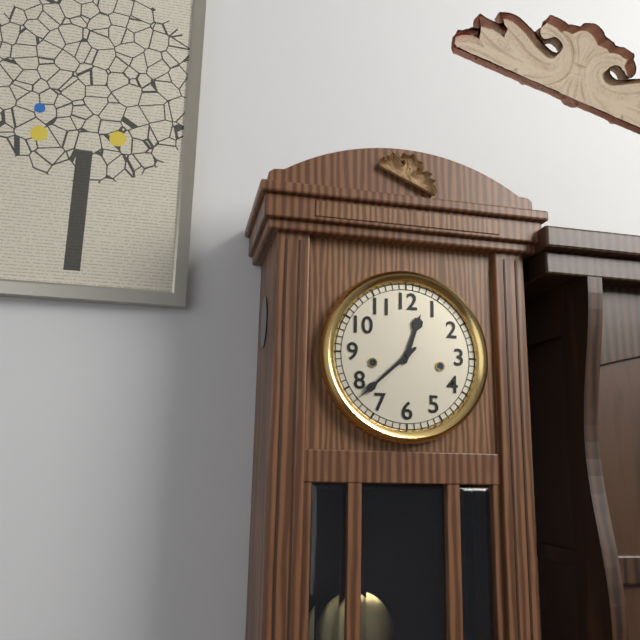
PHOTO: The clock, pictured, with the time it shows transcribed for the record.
12:38
